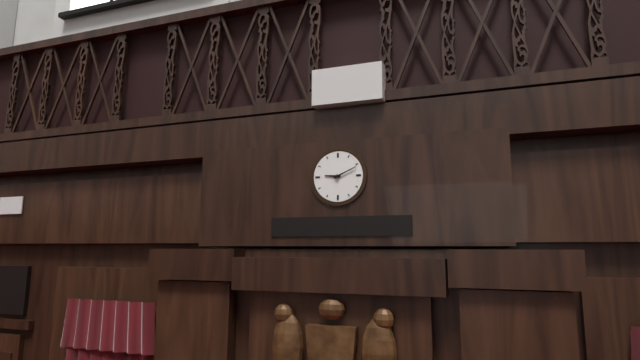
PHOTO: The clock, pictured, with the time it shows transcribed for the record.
9:11
